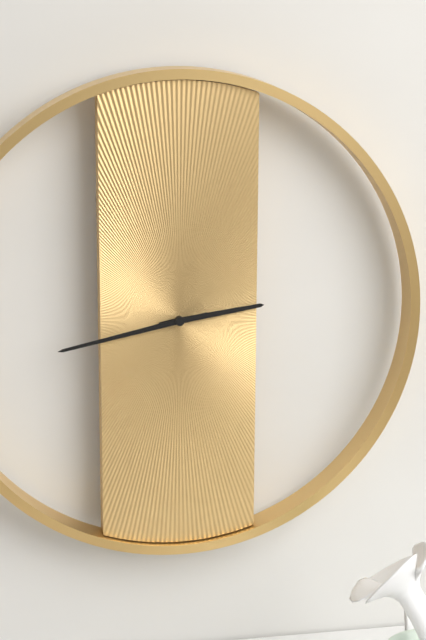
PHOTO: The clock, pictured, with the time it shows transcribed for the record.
2:43
